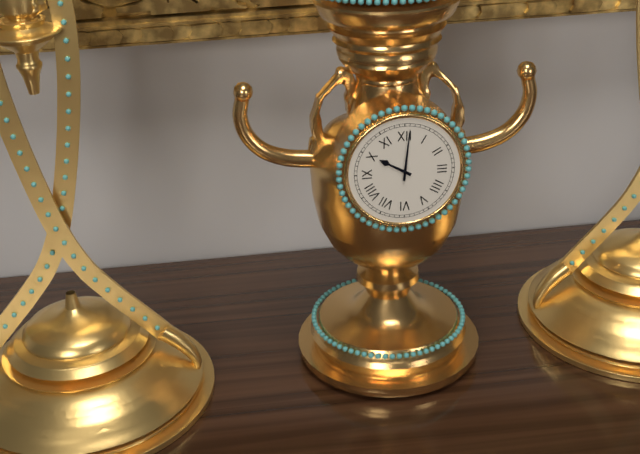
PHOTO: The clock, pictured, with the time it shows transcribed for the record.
10:01
